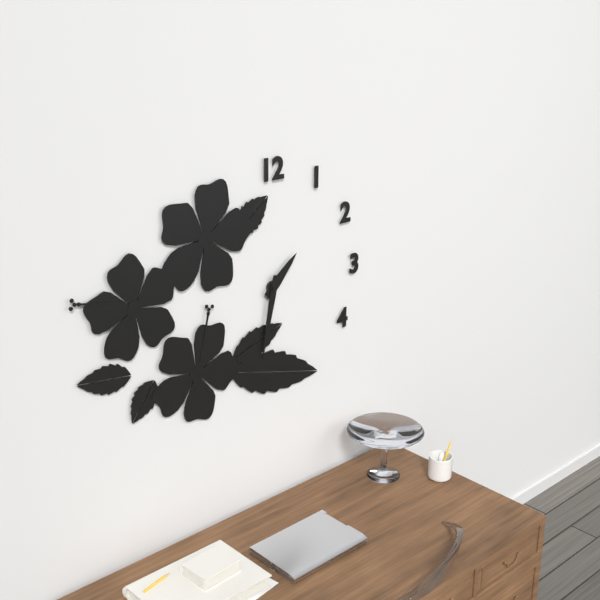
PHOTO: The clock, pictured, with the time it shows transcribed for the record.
1:32
